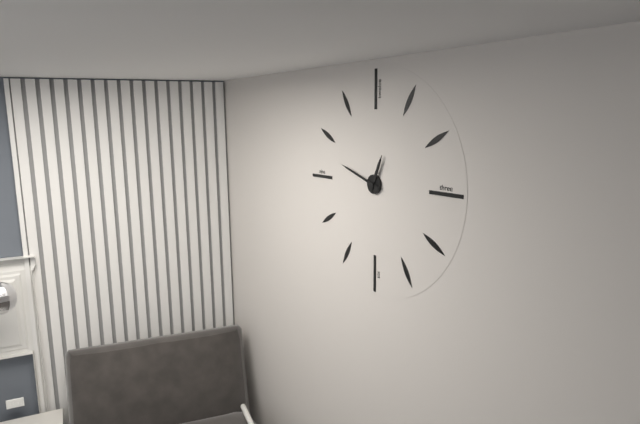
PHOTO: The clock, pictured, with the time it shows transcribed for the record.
12:48
